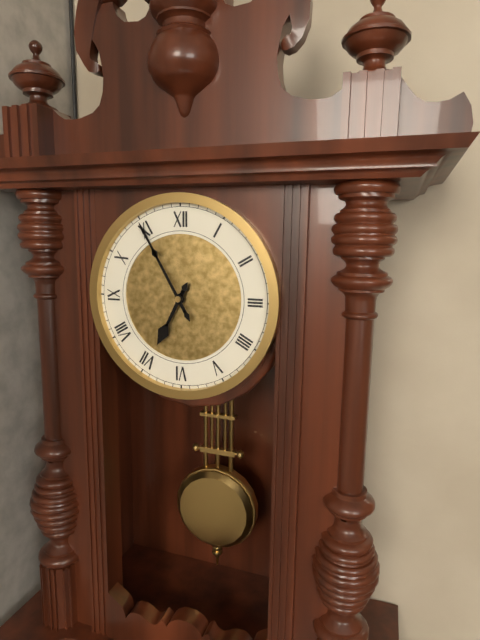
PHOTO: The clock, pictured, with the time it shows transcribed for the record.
6:55
